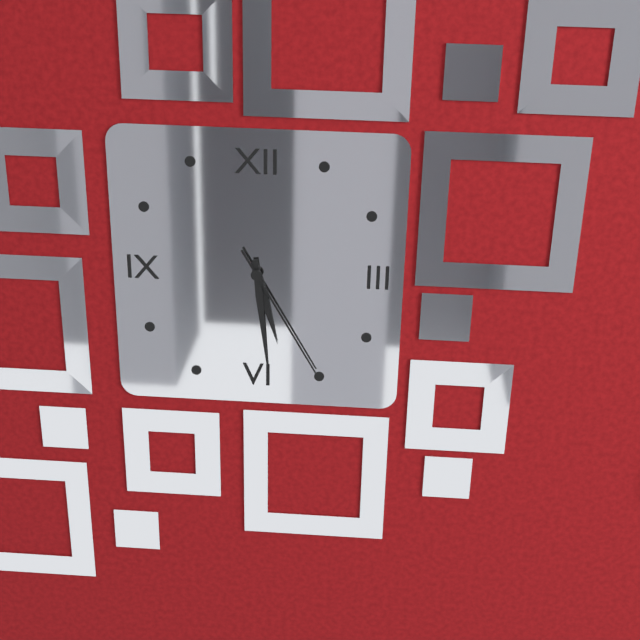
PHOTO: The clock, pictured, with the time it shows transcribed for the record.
5:29:25
